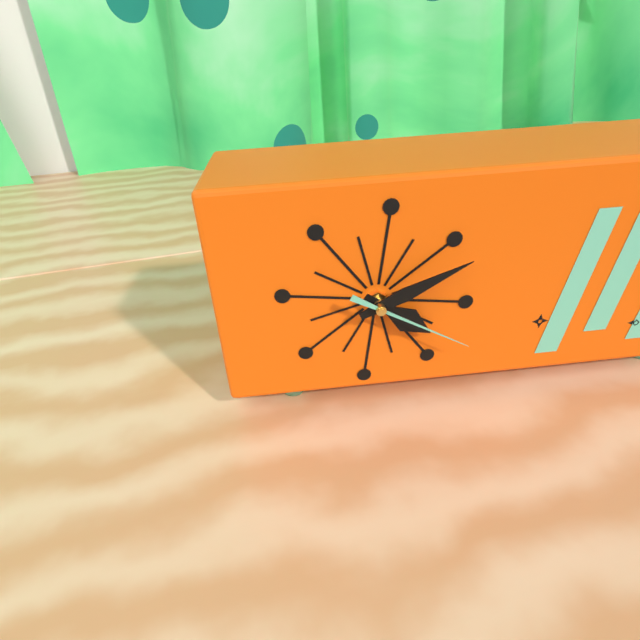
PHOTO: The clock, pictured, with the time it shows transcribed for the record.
4:11:20
